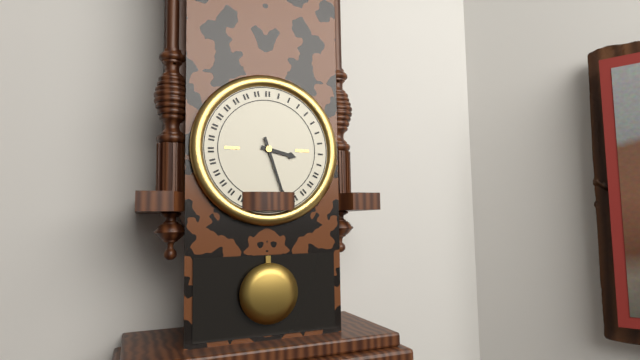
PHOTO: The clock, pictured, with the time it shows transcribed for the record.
3:27
